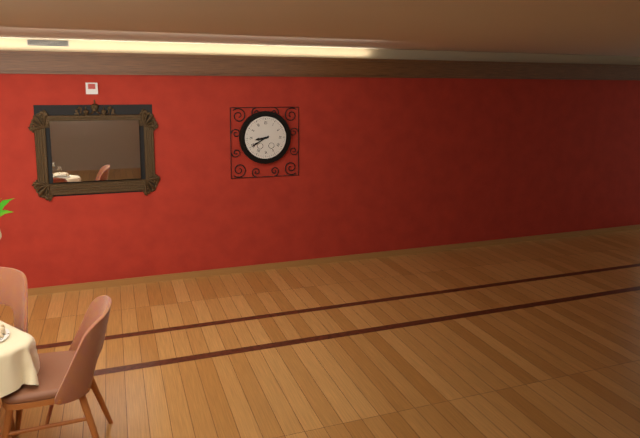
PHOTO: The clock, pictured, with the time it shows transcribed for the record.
8:40
